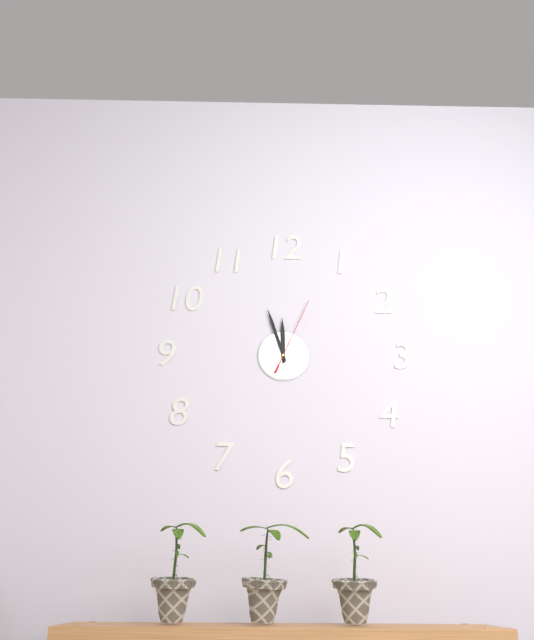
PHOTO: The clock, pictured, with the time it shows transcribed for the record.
11:57:04
